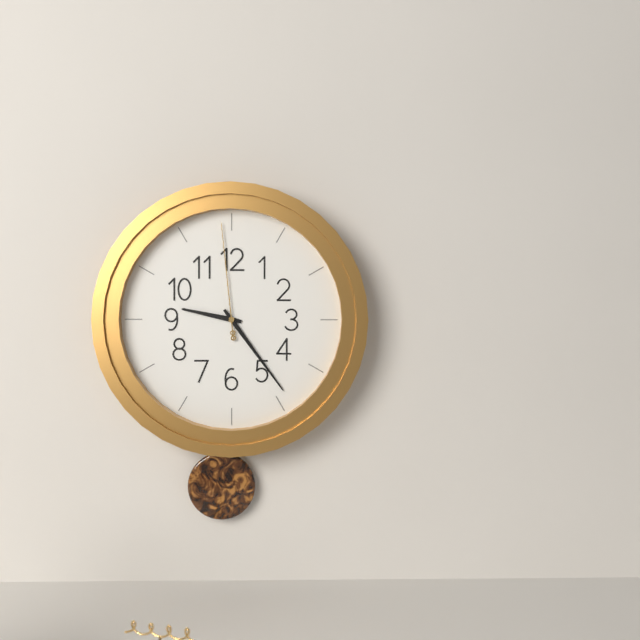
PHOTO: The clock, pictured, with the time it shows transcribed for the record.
9:24:59
